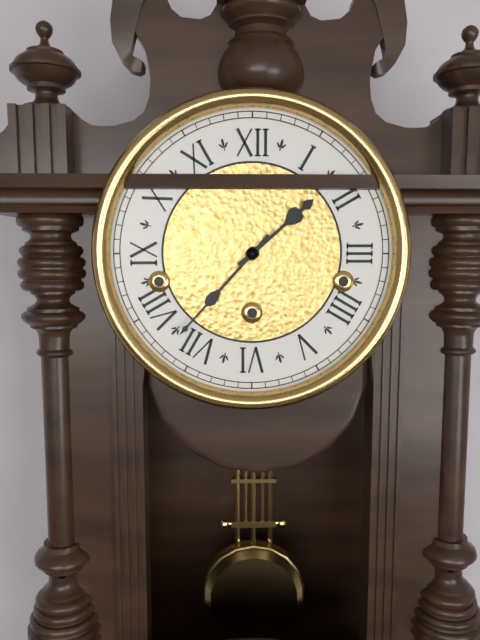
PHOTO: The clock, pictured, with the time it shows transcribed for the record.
1:37
